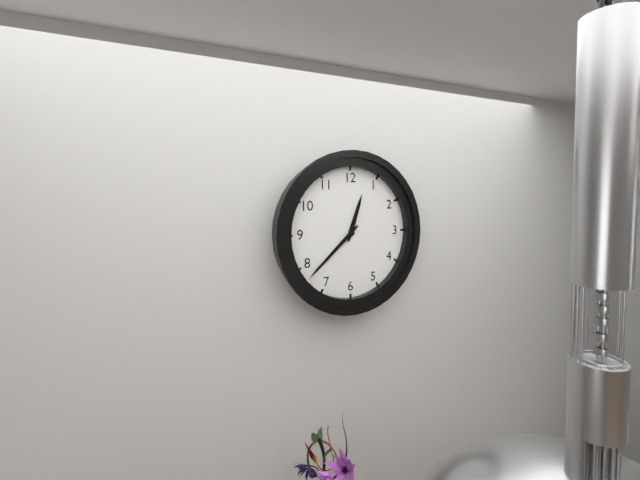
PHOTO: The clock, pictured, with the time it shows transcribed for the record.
12:38
